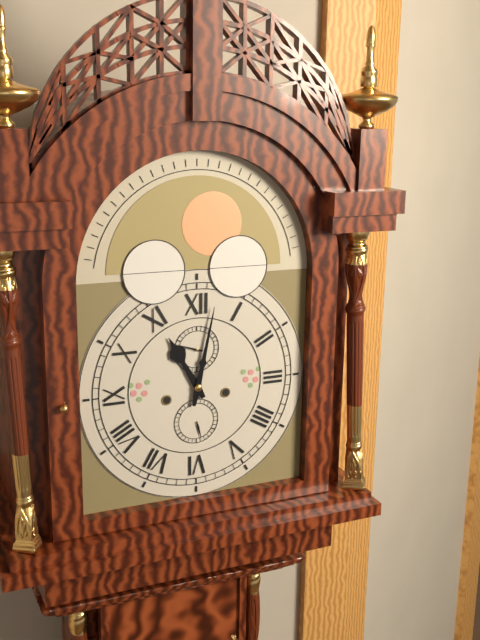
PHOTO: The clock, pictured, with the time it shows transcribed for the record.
11:02
